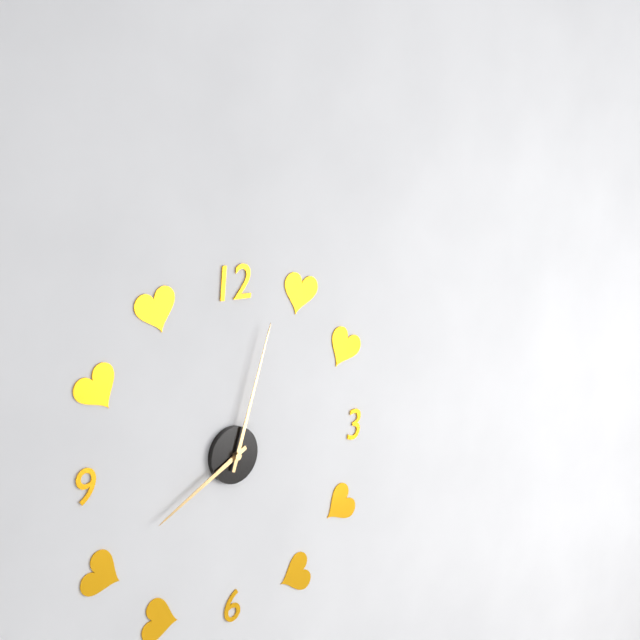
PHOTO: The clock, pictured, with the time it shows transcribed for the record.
8:03
